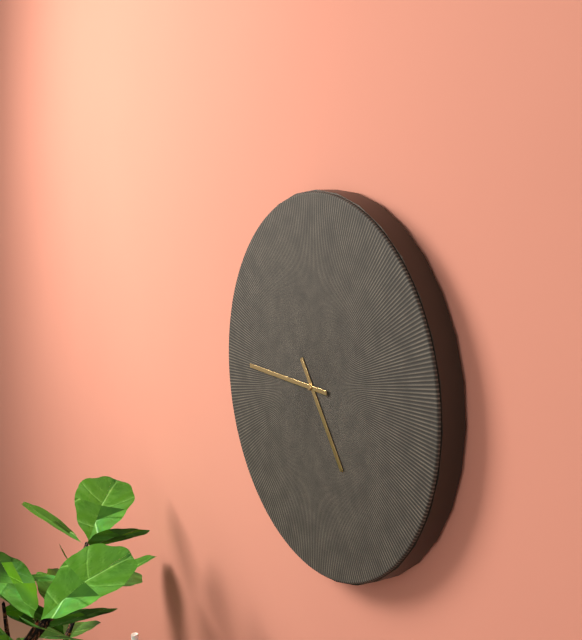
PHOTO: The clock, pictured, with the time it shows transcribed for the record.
4:45
